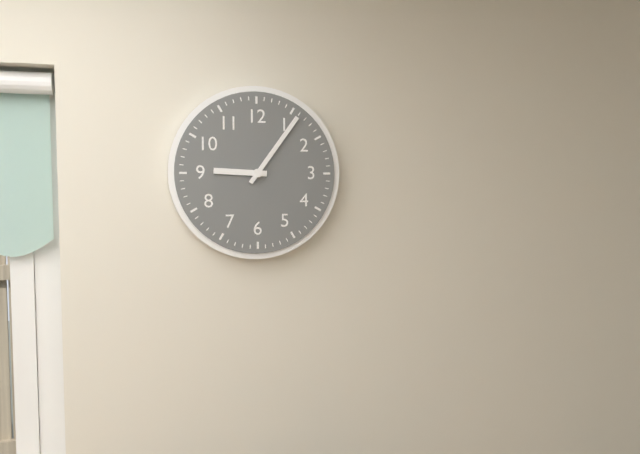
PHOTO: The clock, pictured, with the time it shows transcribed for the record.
9:06
